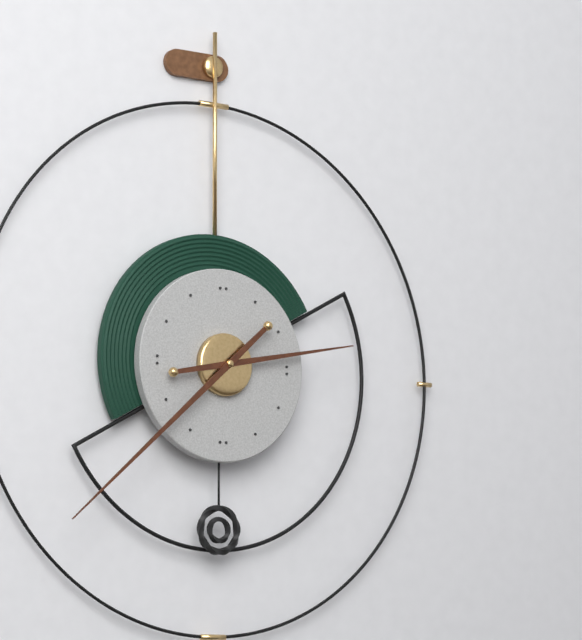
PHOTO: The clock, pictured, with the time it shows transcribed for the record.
2:38
